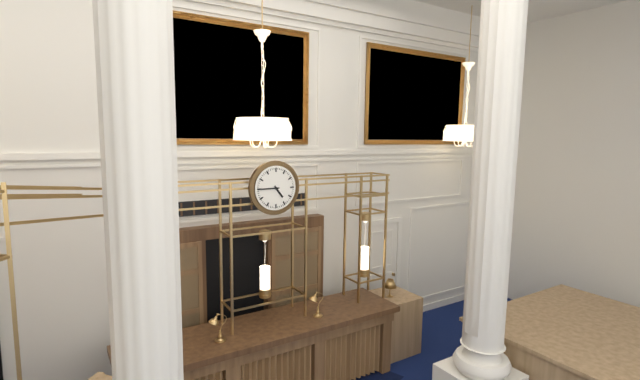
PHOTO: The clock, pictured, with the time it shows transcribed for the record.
4:45
